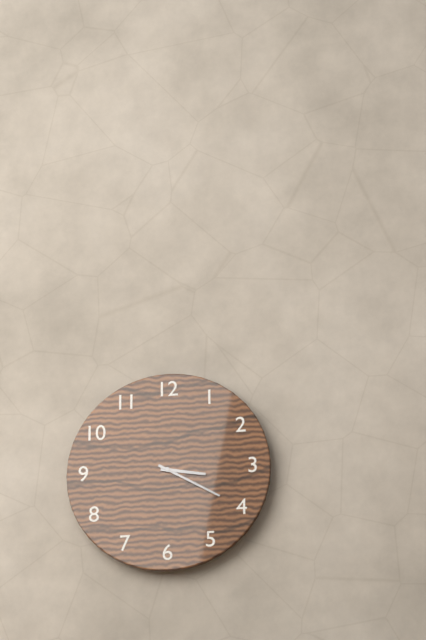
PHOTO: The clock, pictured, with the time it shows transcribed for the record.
3:20
